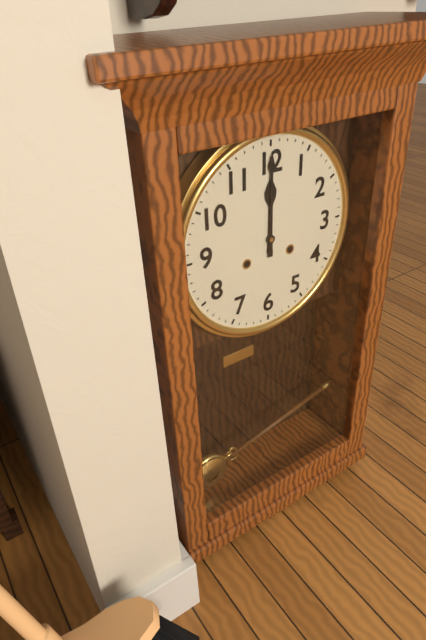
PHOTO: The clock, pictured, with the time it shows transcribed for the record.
12:00
